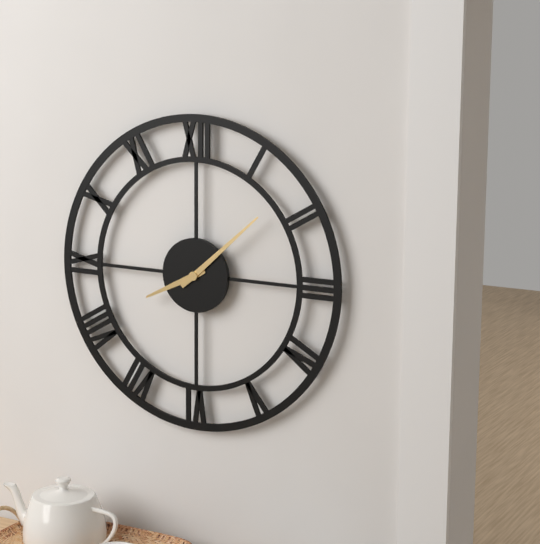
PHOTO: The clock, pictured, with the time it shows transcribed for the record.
8:08
